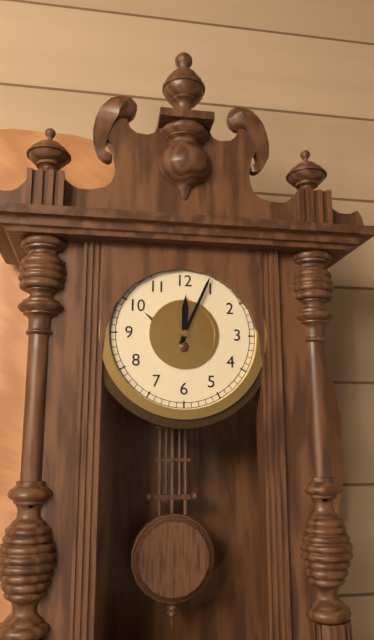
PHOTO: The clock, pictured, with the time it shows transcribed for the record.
12:04
